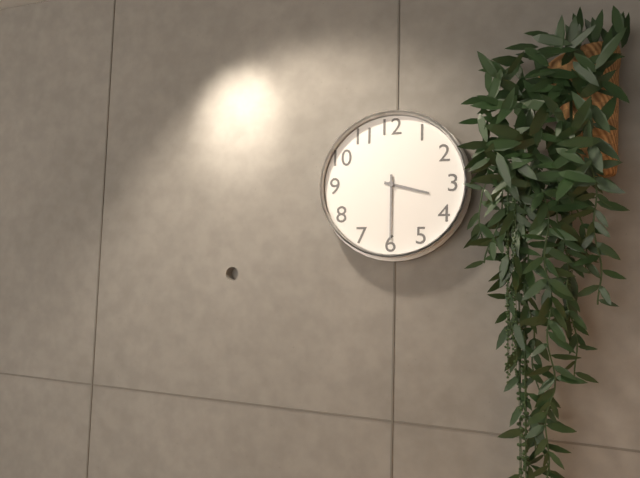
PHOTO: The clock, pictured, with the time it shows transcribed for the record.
3:30
